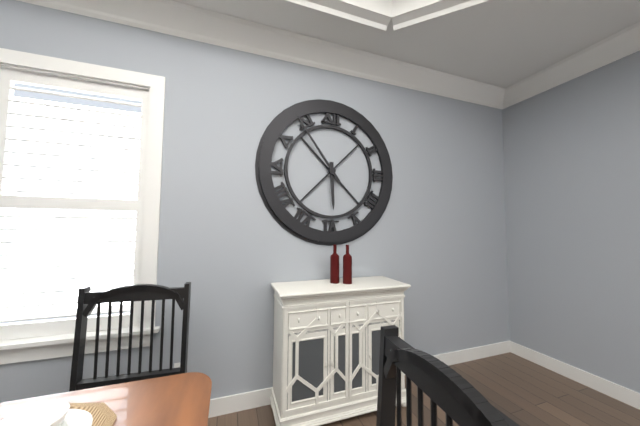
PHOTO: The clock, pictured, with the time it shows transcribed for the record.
5:54
